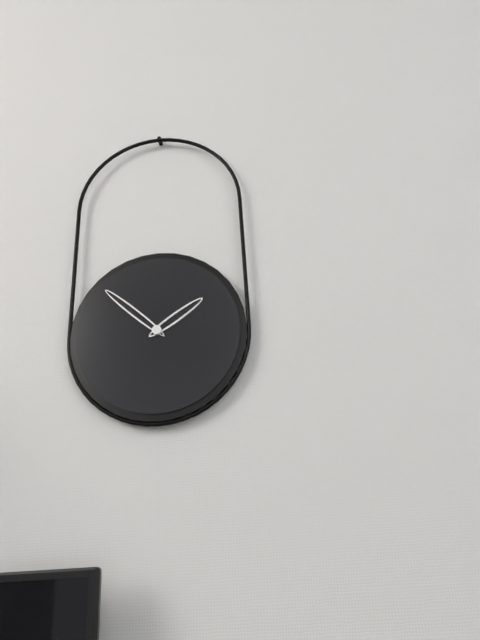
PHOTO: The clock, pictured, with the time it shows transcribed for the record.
1:52
